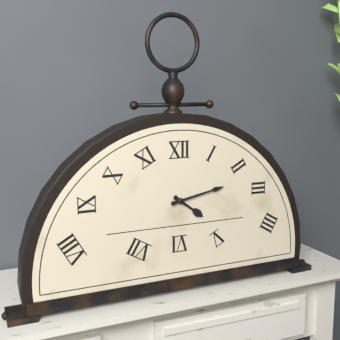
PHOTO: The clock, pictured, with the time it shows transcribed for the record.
4:13
